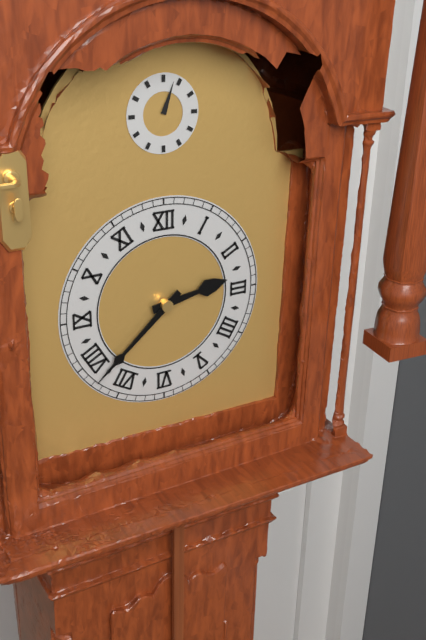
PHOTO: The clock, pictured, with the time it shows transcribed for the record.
2:38
